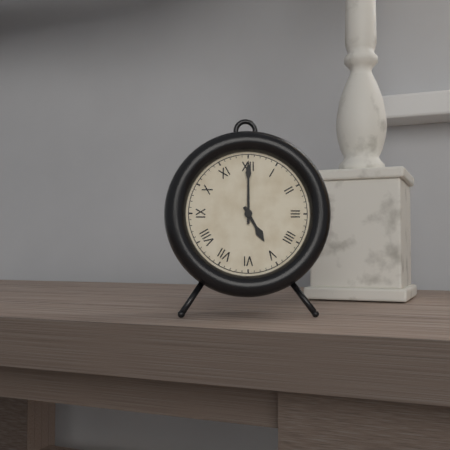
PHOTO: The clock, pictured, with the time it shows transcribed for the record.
5:00
